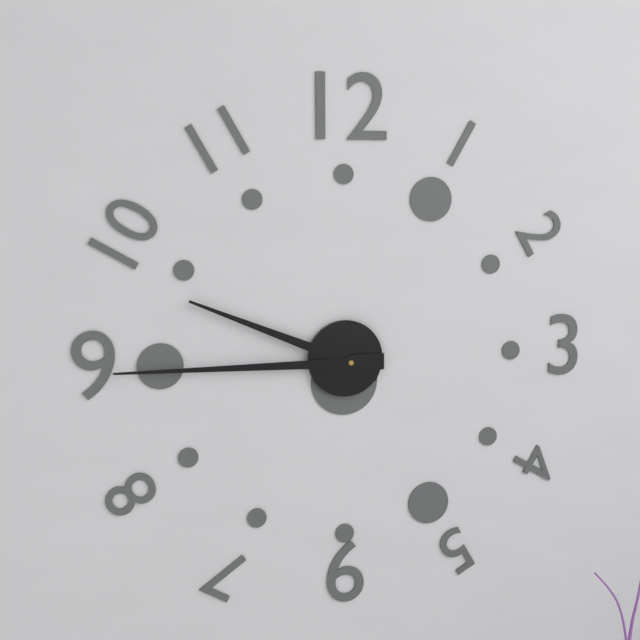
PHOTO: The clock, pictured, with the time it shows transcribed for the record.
9:45
